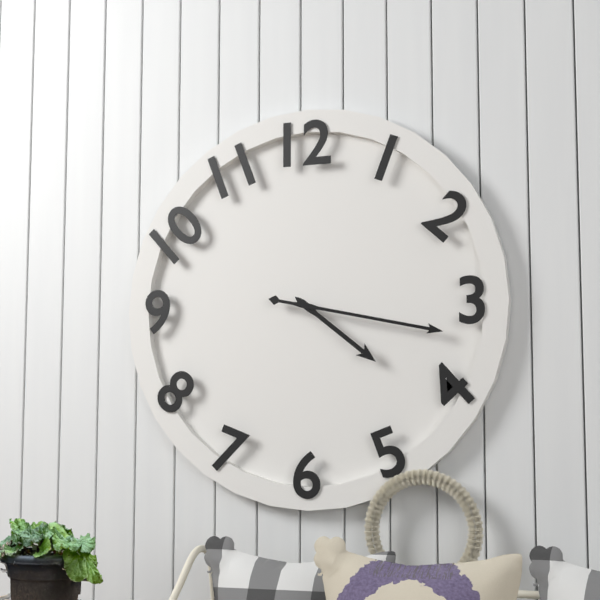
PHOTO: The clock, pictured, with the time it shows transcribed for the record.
4:17
